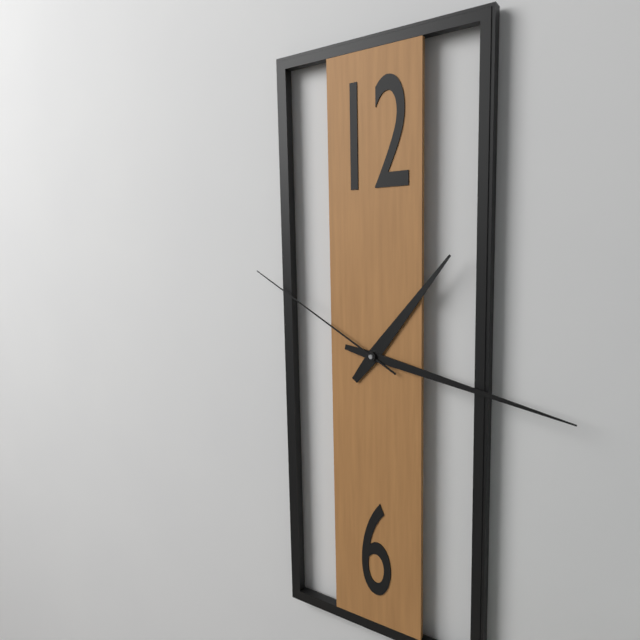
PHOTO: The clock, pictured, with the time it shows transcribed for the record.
1:17:50
